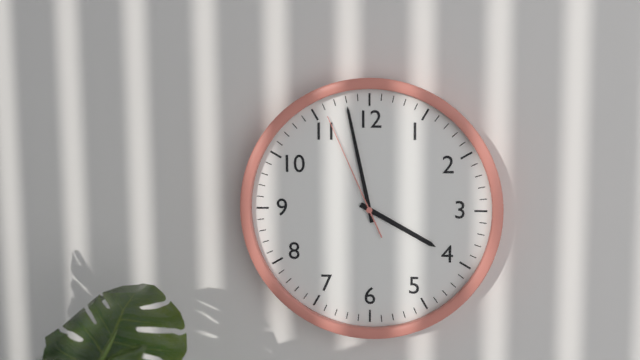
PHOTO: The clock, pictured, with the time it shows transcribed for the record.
3:58:56
